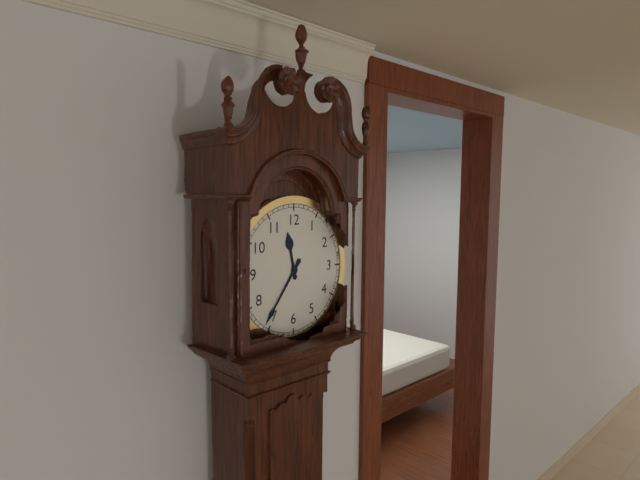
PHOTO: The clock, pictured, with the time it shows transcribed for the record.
11:36
